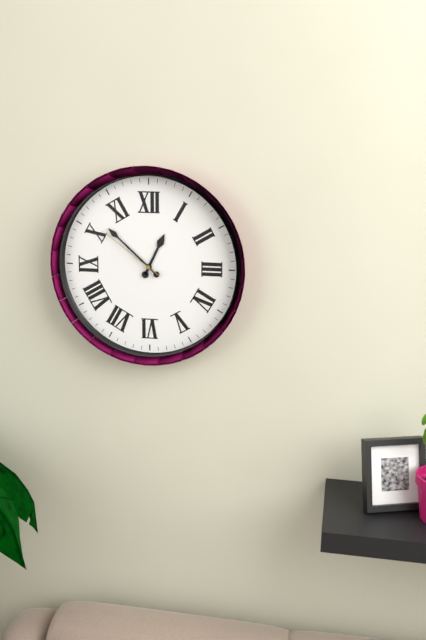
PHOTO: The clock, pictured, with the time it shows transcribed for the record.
12:52:51
